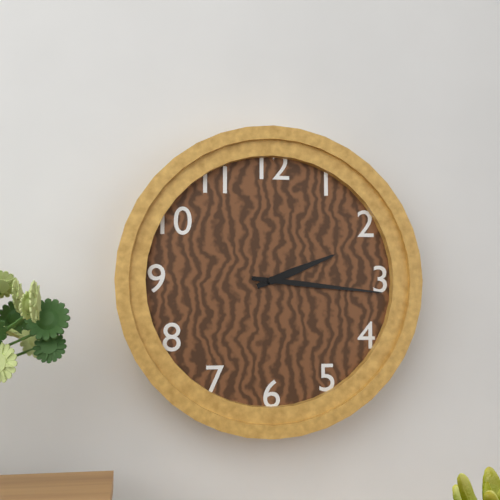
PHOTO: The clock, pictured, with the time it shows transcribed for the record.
2:16
